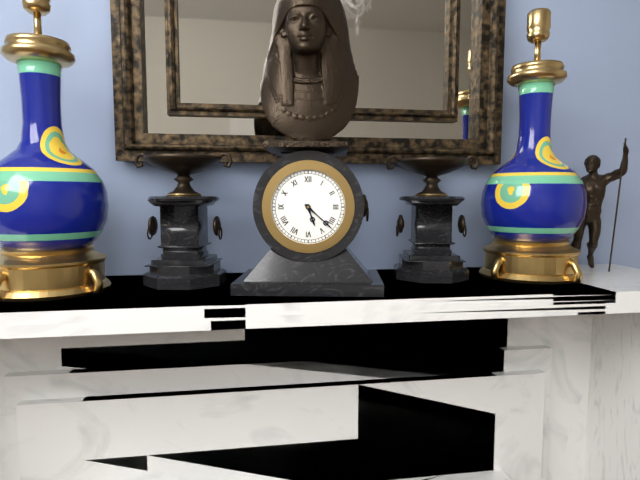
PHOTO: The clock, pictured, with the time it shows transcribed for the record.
5:22
